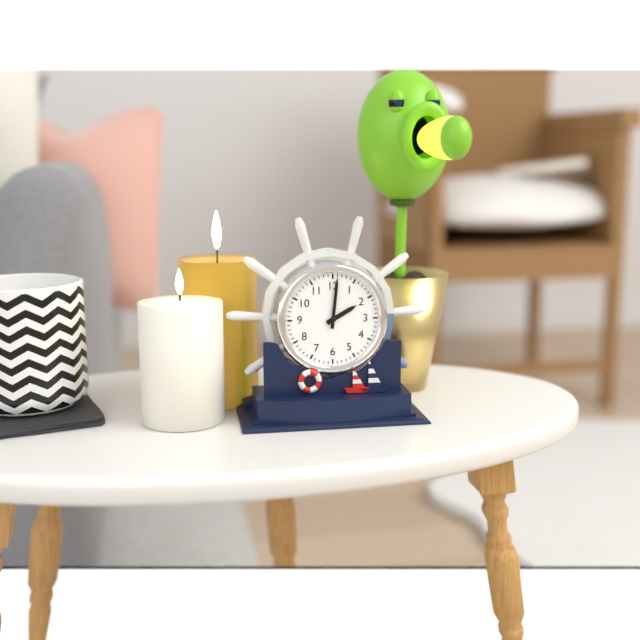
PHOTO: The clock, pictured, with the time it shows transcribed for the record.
2:01
